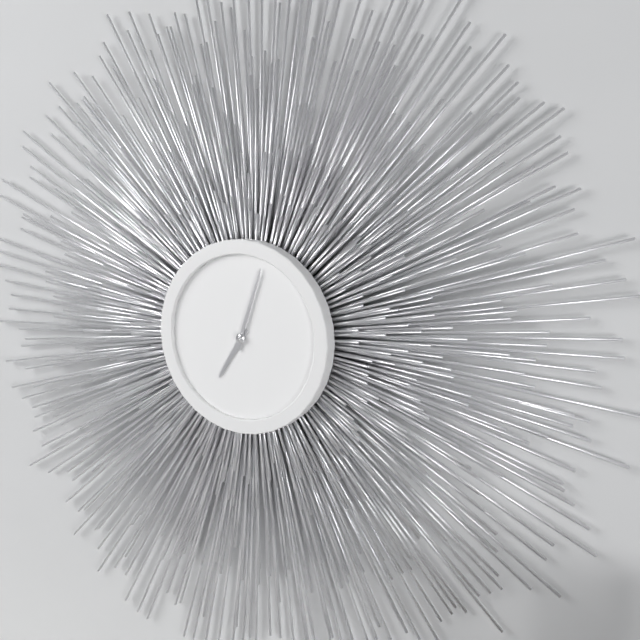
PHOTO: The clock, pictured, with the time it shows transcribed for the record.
7:03
